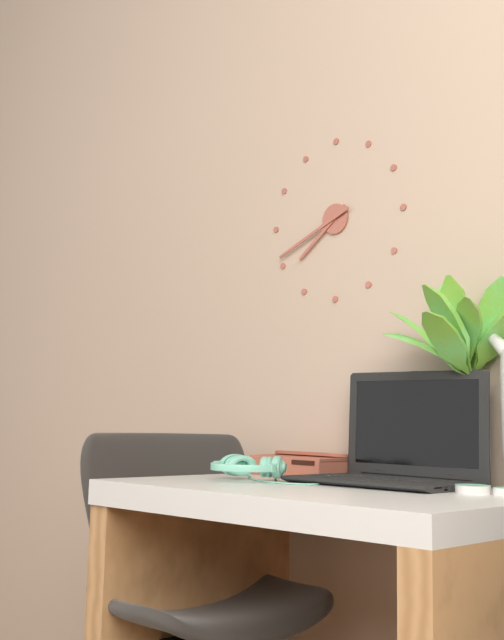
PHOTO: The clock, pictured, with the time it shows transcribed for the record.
7:41
